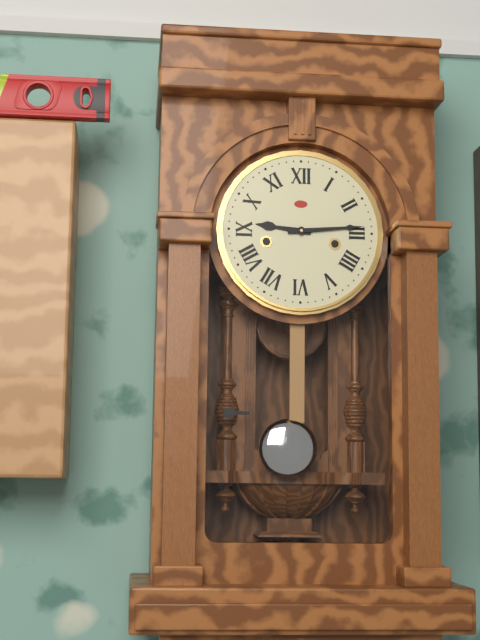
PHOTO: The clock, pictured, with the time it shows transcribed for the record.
9:14
